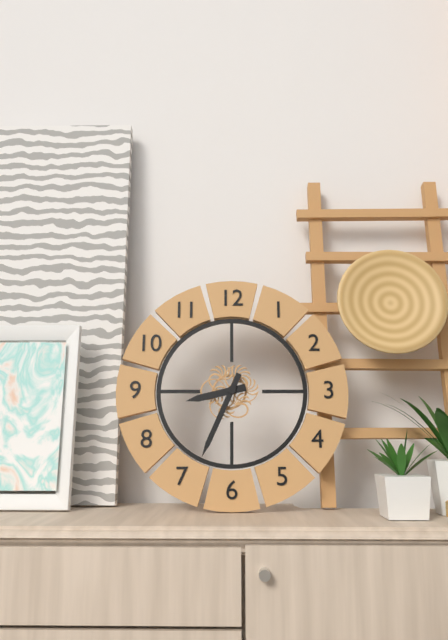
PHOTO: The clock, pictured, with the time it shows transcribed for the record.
8:34
